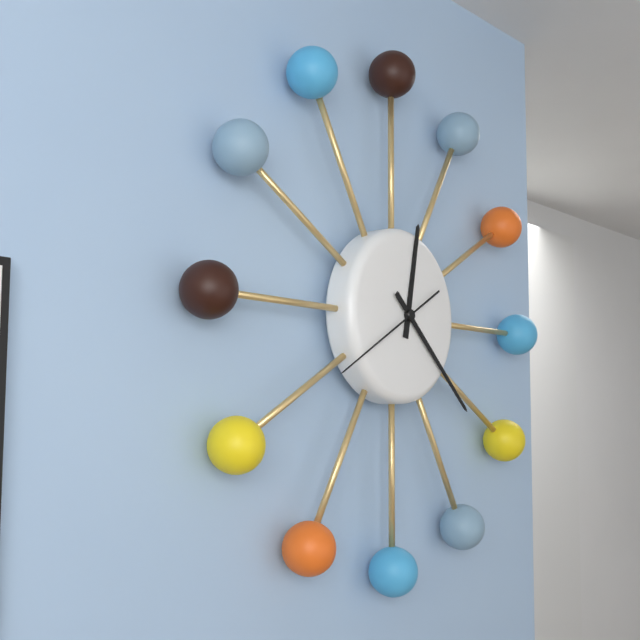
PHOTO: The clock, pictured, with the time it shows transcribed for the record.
12:22:40
